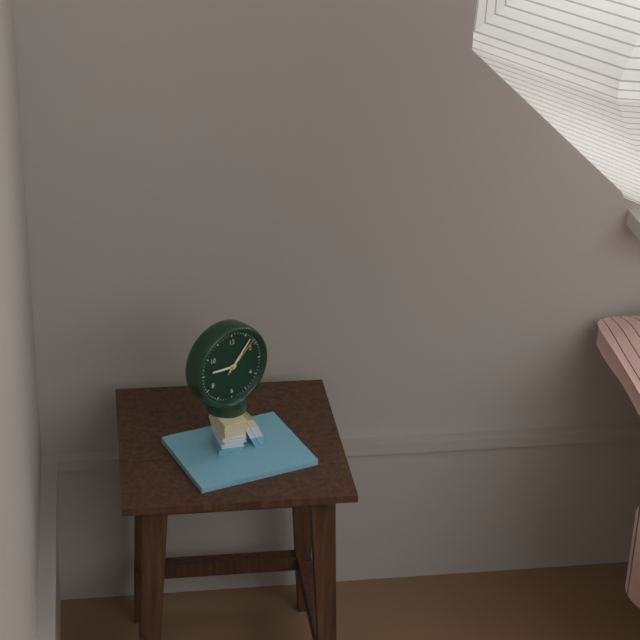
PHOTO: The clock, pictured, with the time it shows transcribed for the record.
9:07
